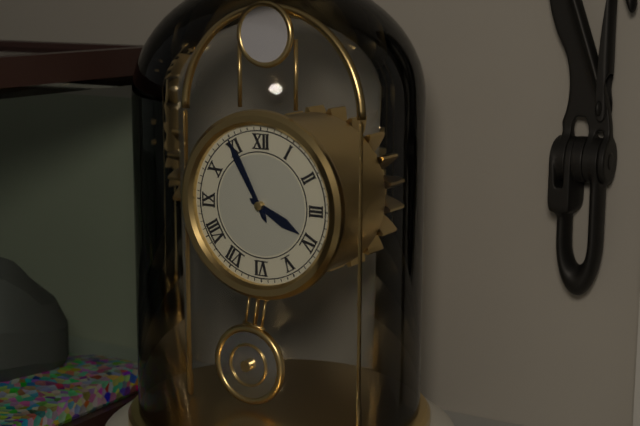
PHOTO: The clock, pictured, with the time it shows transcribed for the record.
3:55
